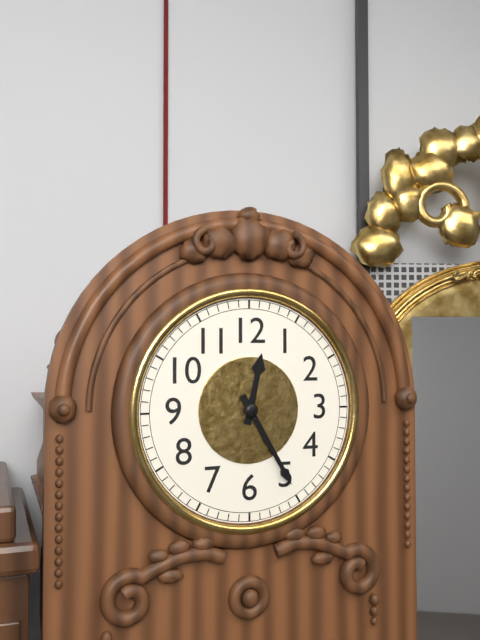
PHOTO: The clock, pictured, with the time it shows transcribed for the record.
12:25
